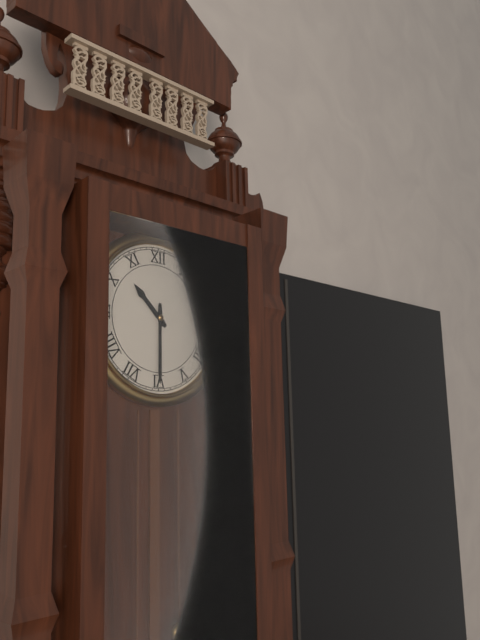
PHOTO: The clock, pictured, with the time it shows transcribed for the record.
10:30
